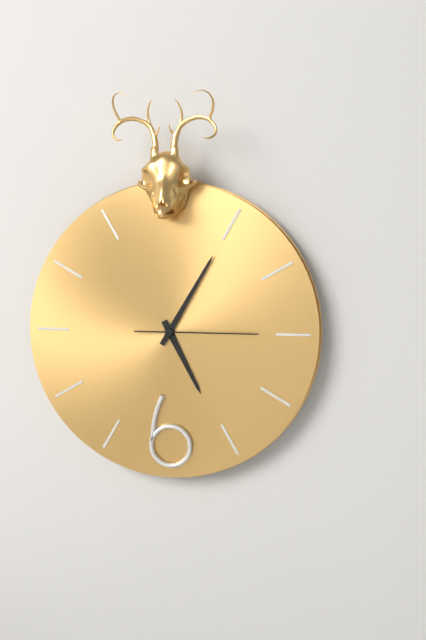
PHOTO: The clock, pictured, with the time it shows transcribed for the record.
5:05:15
